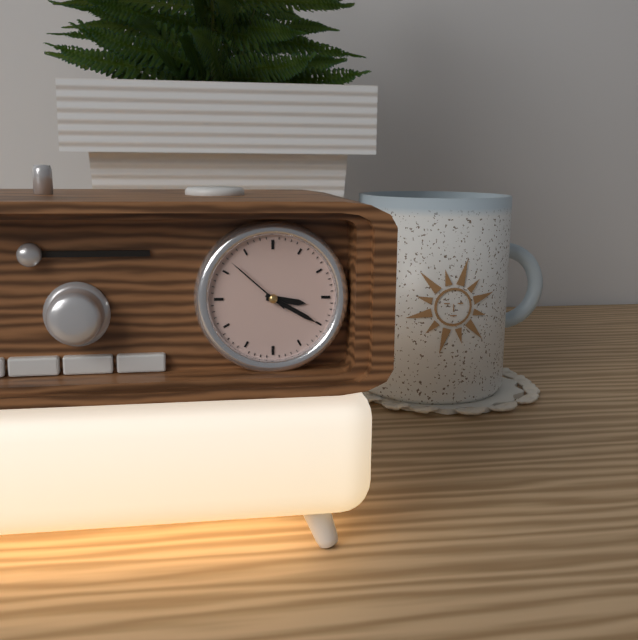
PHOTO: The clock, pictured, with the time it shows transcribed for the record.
3:20:52
